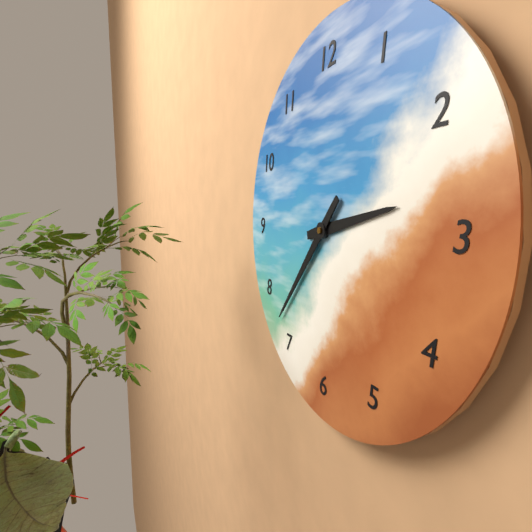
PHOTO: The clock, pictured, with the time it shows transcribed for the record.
2:37
